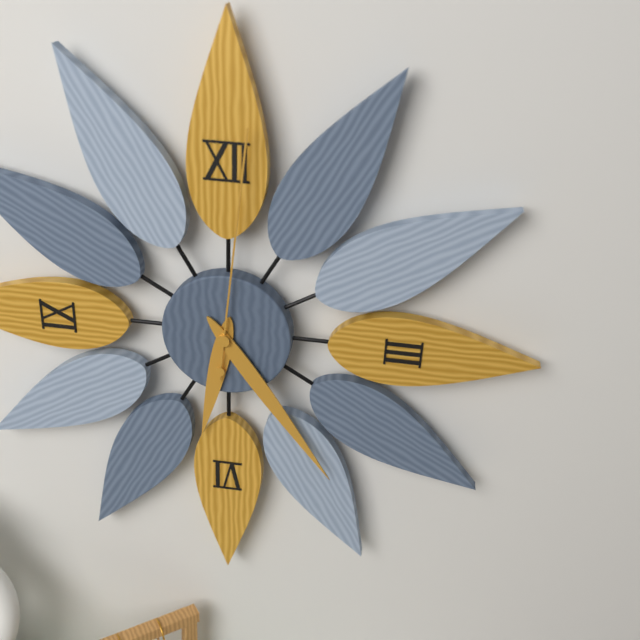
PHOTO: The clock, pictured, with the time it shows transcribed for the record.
6:24:01
